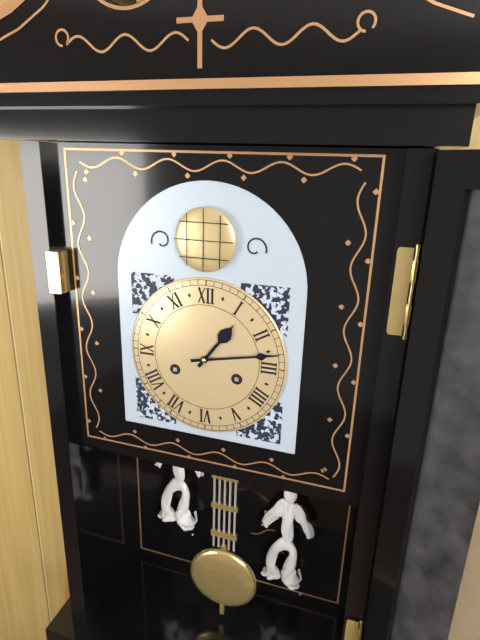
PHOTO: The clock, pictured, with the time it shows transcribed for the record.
1:13
